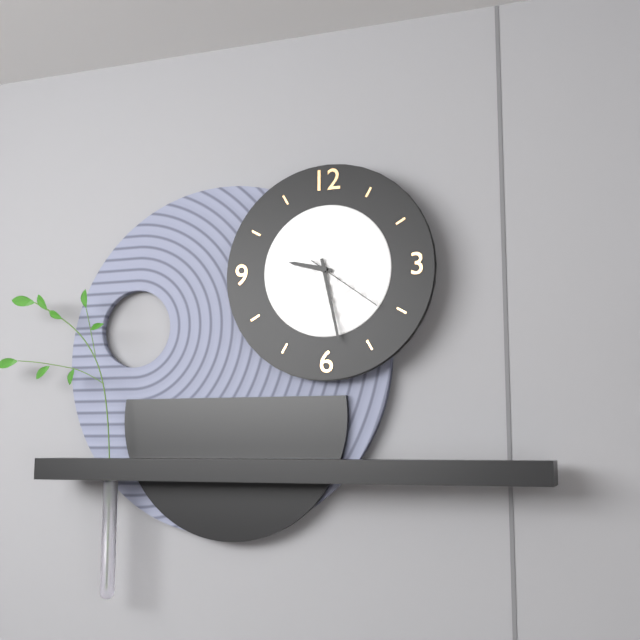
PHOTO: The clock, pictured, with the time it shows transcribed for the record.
9:28:21
